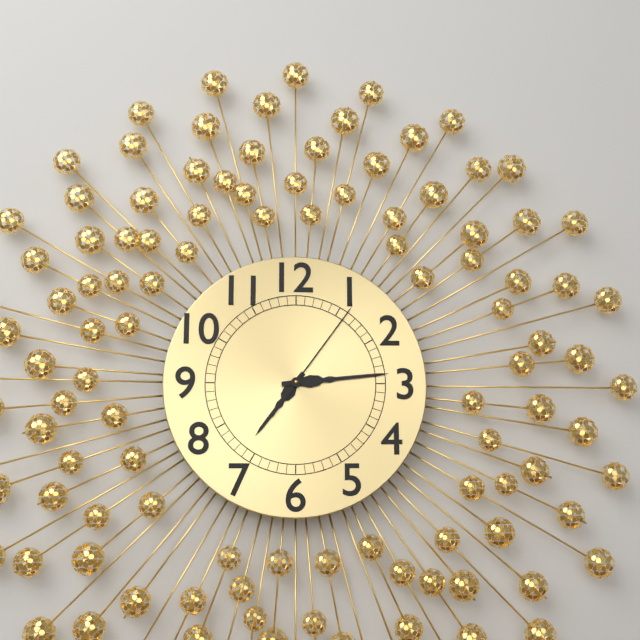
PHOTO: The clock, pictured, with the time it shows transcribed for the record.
7:14:06
